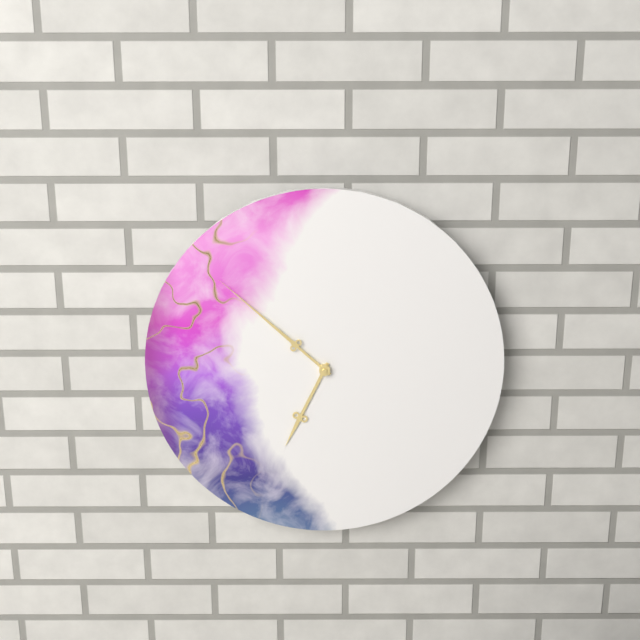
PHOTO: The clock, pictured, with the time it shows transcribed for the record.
6:52
